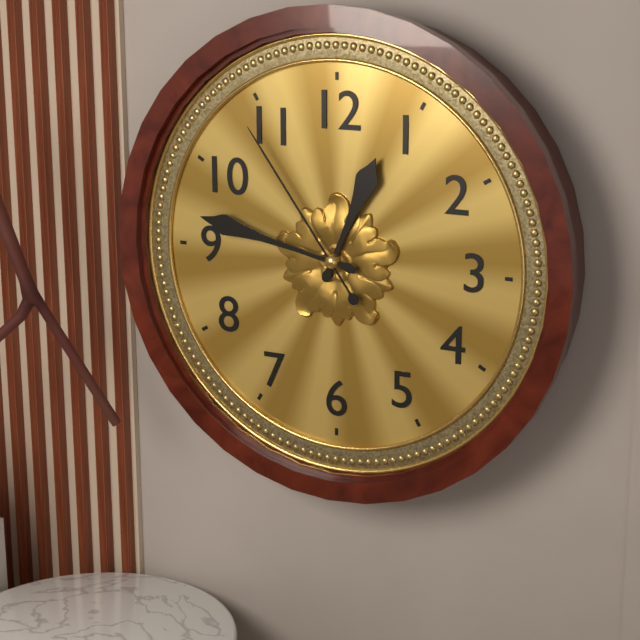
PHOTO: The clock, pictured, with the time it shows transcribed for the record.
12:47:54
